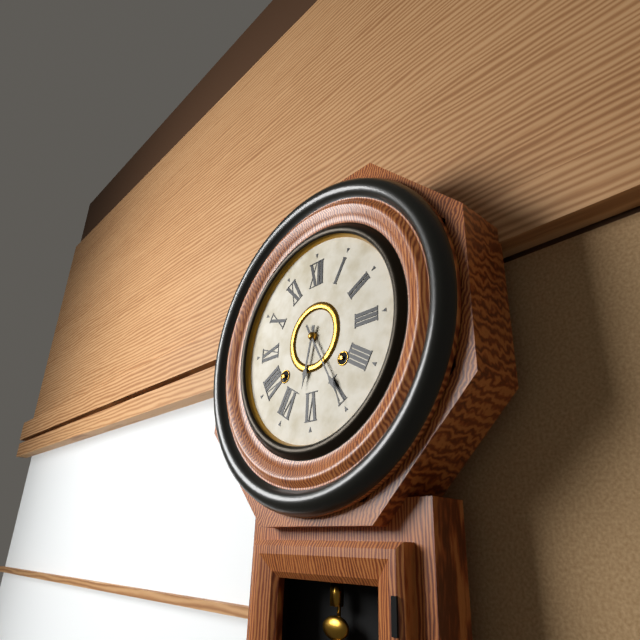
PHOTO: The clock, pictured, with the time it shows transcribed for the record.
6:25
